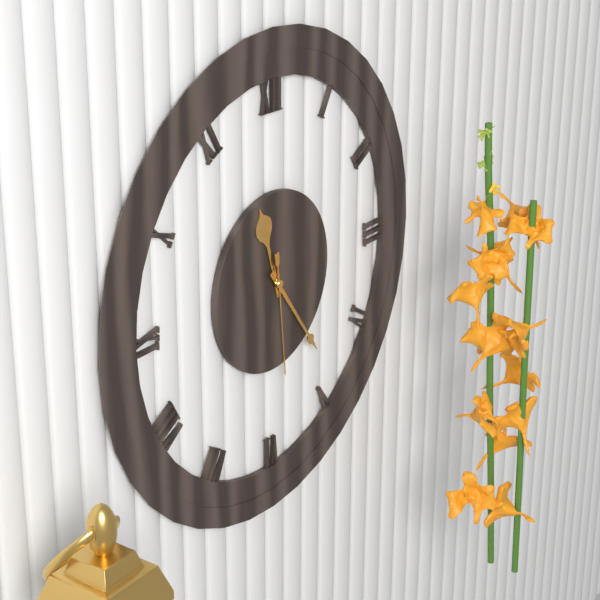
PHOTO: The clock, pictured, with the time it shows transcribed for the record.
11:24:29
